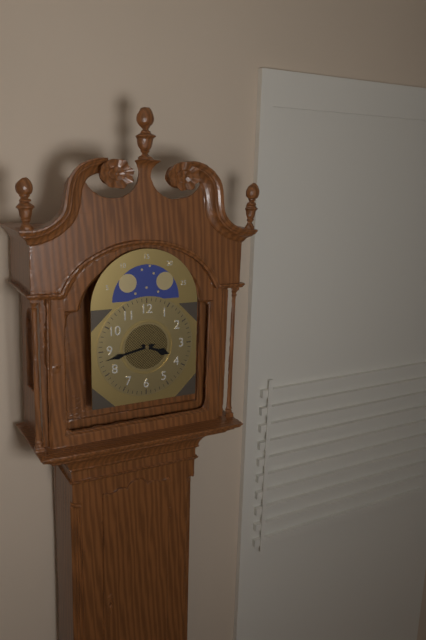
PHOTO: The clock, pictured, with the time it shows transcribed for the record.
3:43
